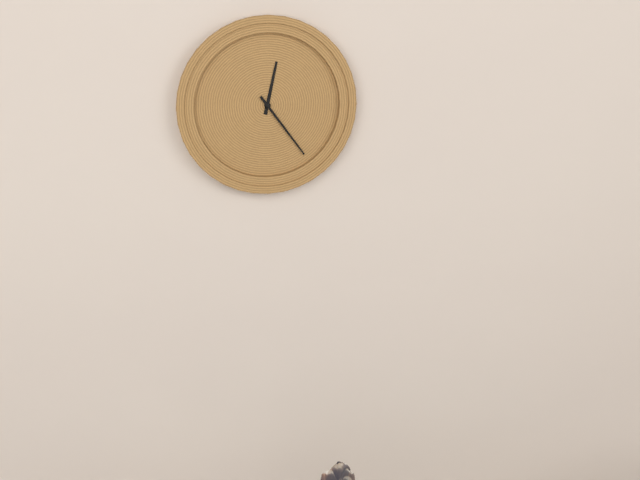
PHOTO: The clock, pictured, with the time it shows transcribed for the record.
12:24
